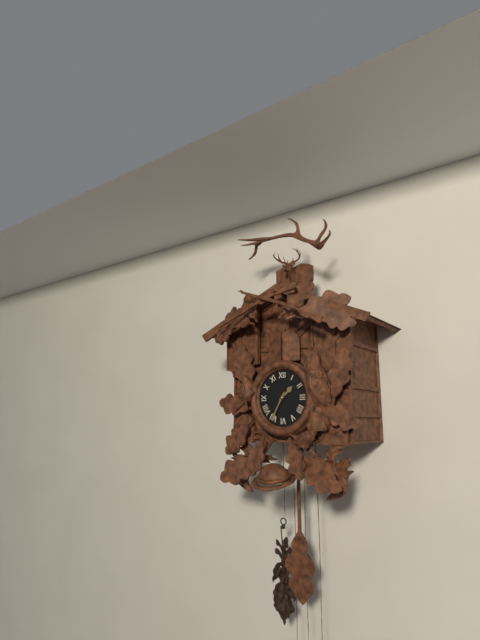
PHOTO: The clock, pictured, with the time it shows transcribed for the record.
1:35
